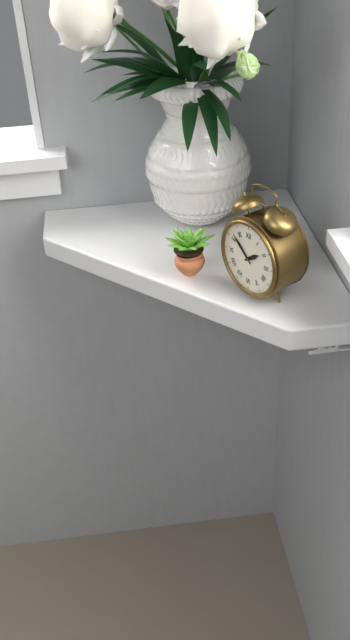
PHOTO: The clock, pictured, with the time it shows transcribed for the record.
1:52
